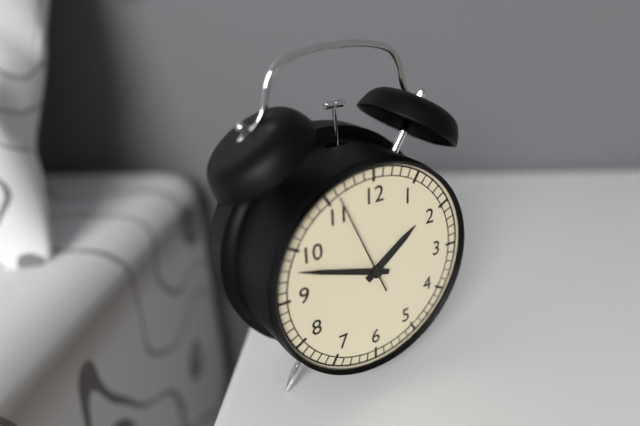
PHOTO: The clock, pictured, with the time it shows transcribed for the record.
1:48:56
